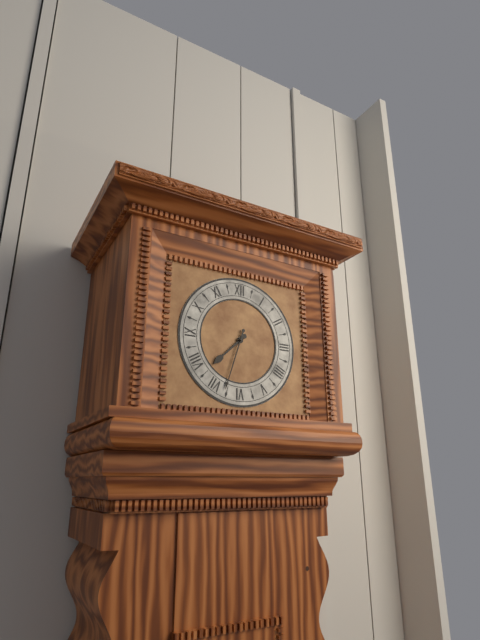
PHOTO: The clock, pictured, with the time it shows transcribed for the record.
7:33
